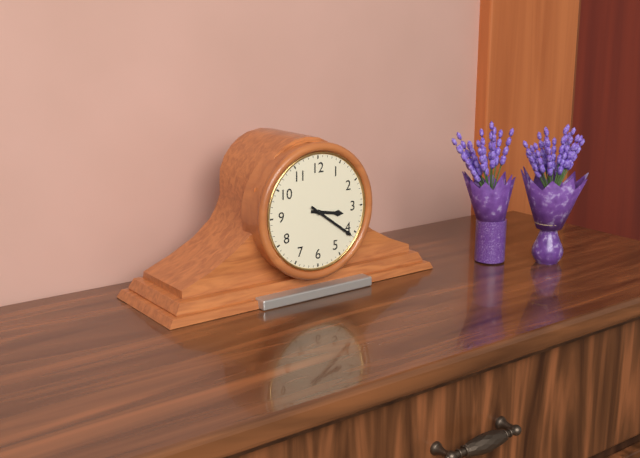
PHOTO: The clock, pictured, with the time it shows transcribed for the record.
3:21
